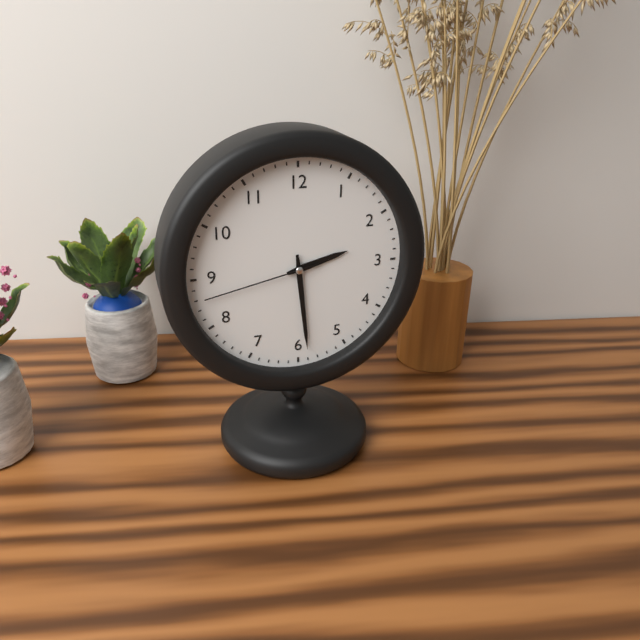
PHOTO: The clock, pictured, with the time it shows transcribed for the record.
2:29:43
